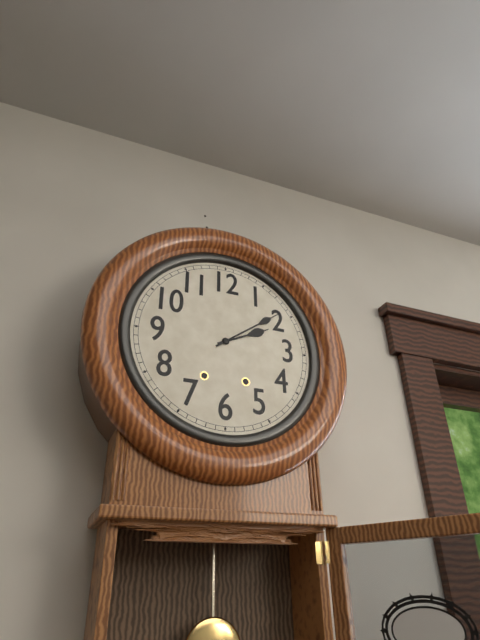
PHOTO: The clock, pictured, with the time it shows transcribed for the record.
2:09
